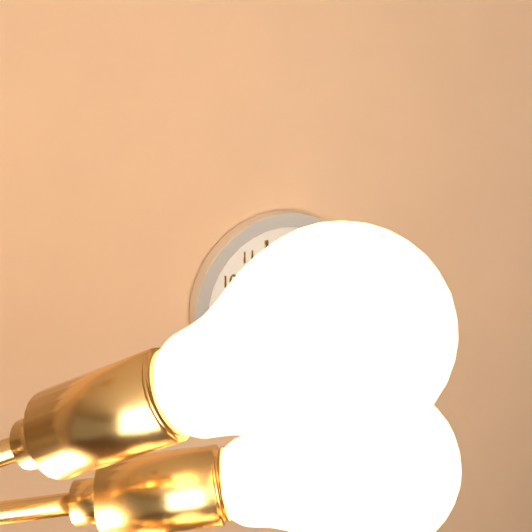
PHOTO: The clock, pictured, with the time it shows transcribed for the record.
10:42
